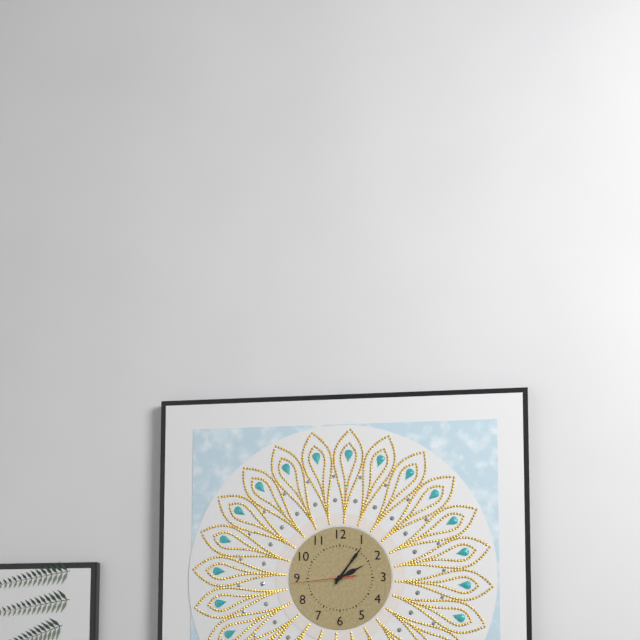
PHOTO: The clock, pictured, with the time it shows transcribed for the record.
2:06:44
